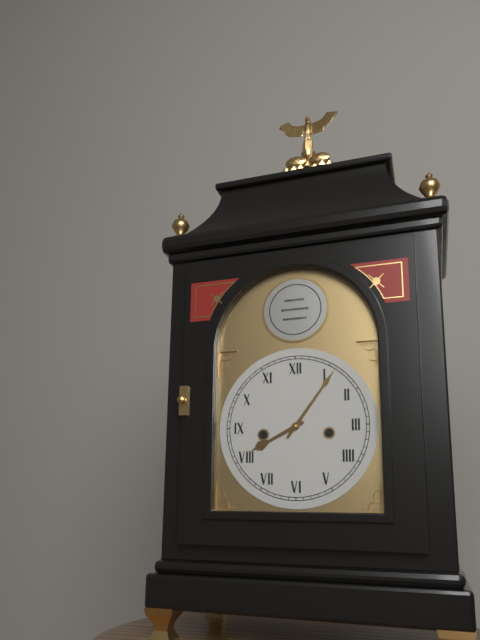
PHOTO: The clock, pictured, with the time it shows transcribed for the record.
8:06
